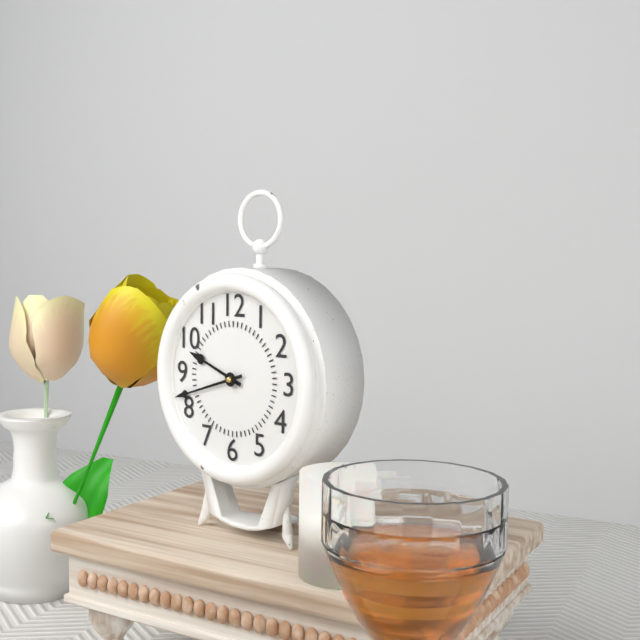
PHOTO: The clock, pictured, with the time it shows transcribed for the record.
9:42
